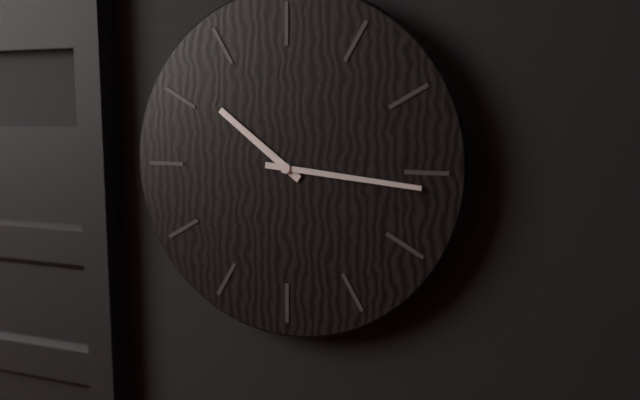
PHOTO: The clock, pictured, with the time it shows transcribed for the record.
10:16
